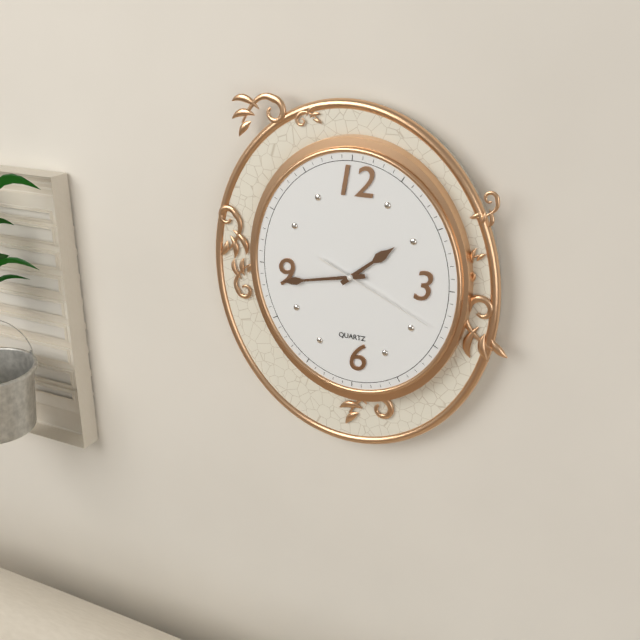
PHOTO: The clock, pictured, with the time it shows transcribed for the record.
1:43:19
